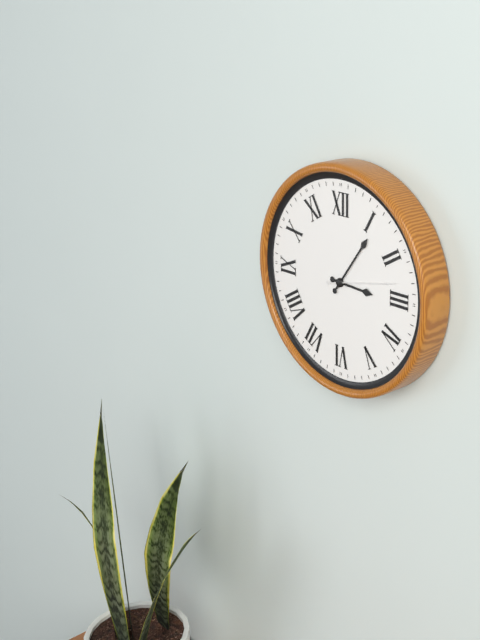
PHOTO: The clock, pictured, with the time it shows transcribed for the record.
3:06:13
